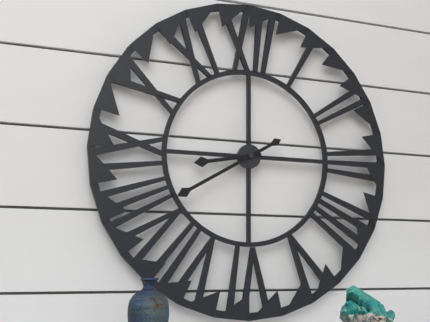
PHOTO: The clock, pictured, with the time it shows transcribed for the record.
8:40
